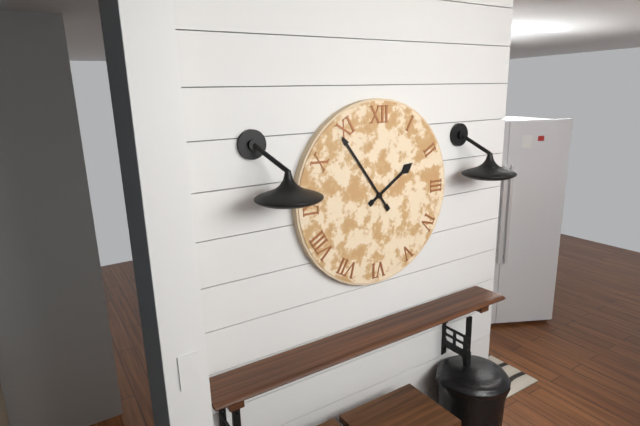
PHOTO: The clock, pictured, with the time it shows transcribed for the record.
1:54
